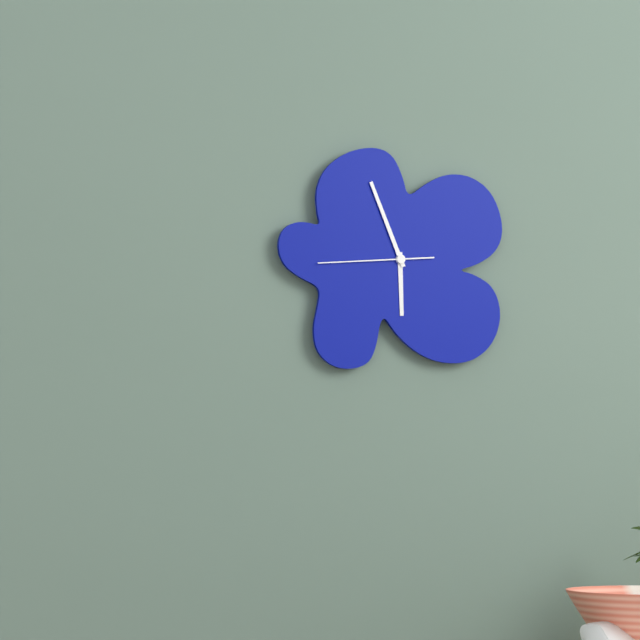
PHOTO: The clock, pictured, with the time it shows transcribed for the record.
5:56:44
